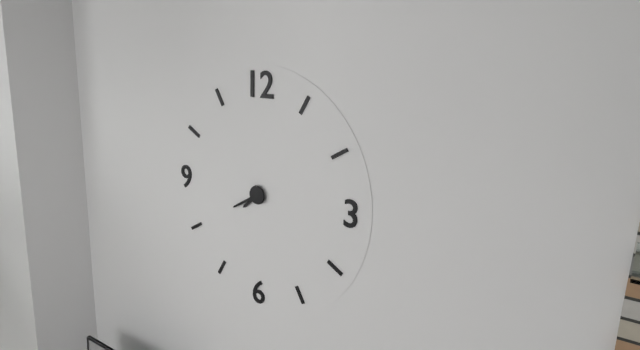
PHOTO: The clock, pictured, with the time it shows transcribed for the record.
7:40
